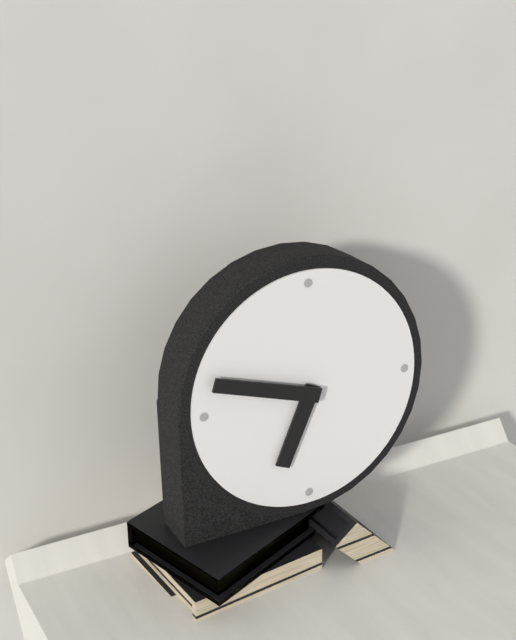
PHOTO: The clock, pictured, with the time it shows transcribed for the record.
6:48
